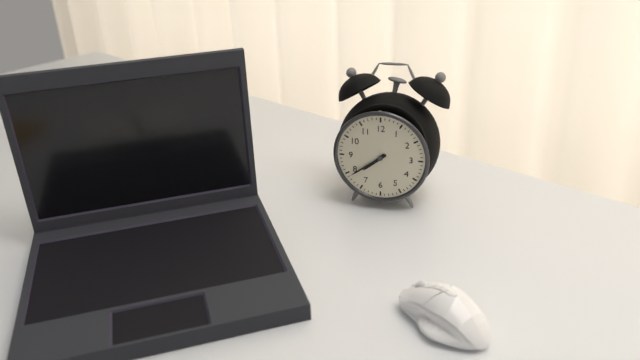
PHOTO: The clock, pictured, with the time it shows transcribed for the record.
7:39
